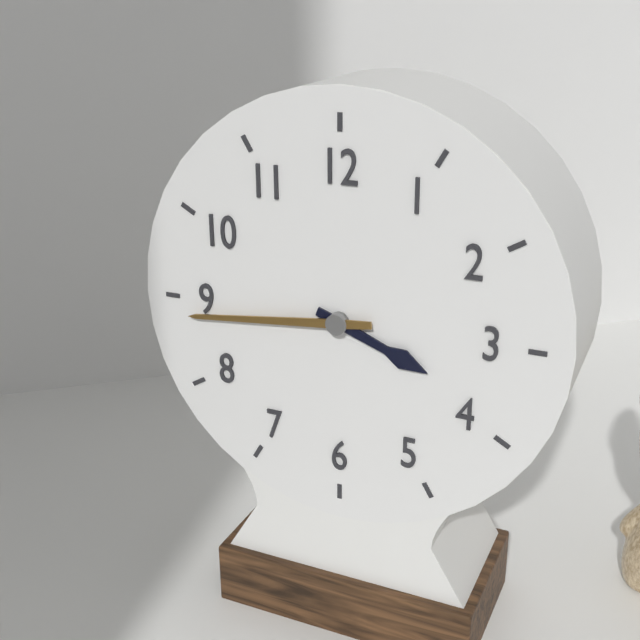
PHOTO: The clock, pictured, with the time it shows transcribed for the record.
3:44
